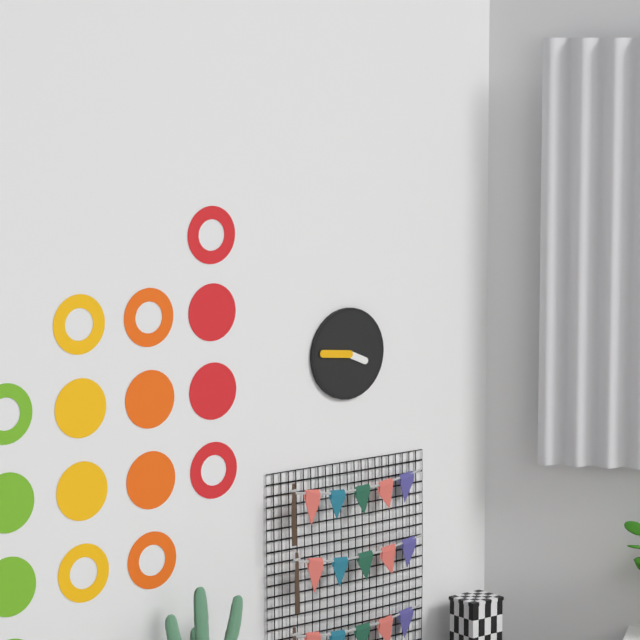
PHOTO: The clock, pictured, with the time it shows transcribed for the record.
3:46
